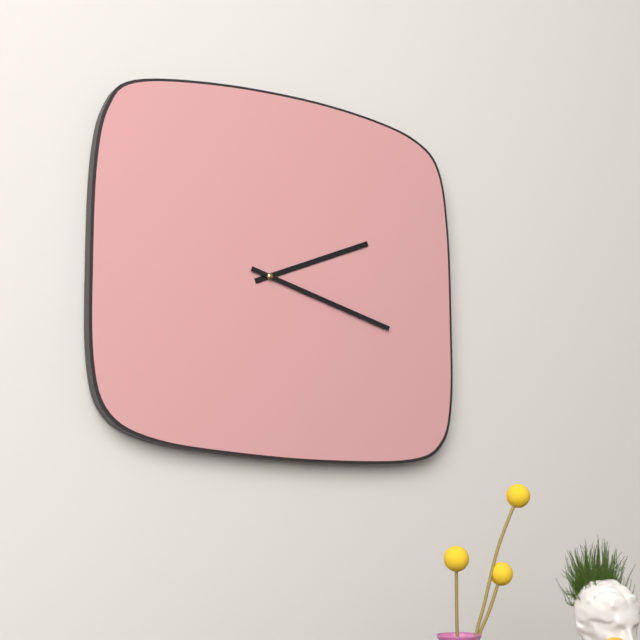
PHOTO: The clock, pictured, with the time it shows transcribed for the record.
2:18
